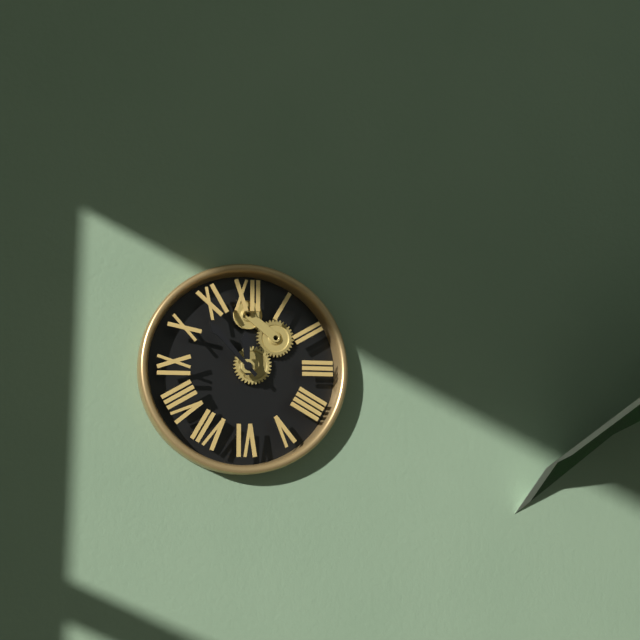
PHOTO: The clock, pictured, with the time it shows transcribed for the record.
11:53
